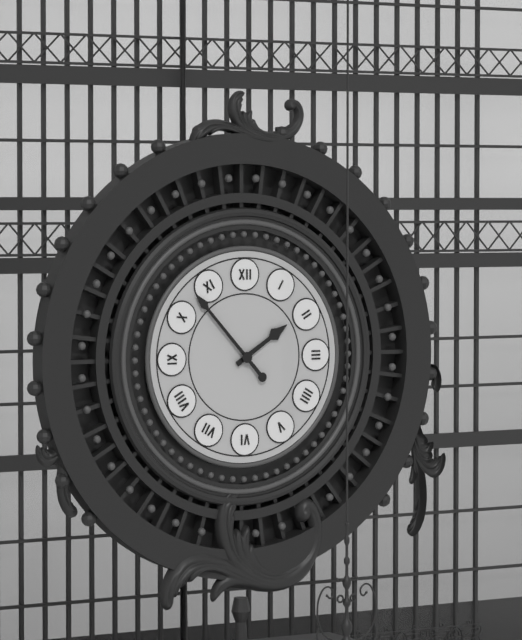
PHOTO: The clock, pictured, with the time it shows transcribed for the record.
1:53
